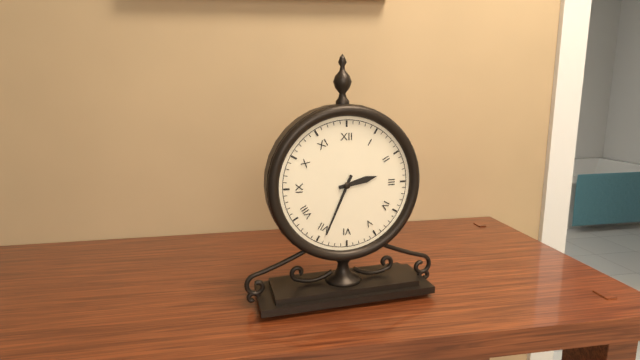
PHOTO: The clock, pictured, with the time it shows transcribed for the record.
2:34
